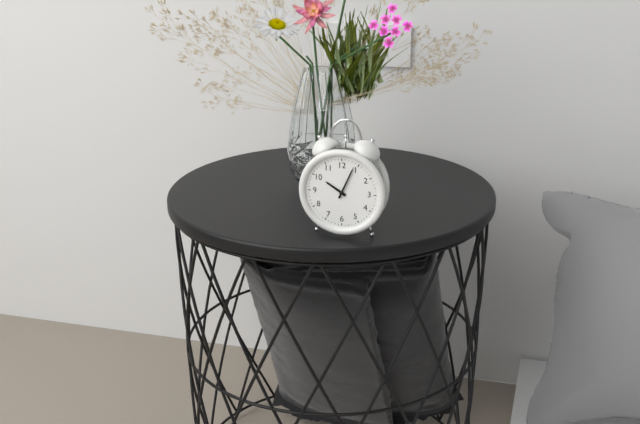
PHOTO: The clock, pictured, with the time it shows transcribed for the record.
10:04
